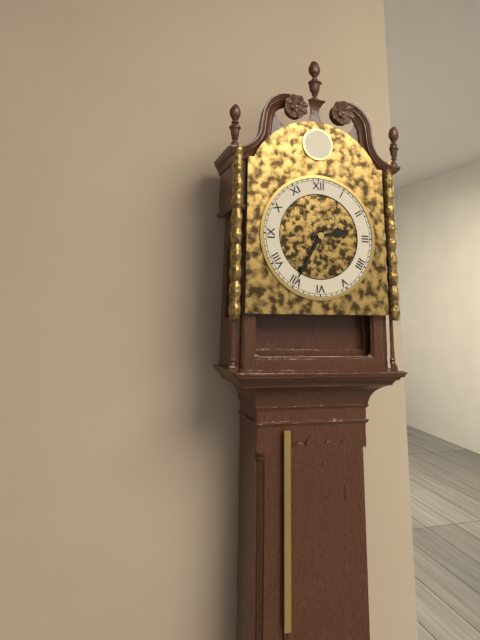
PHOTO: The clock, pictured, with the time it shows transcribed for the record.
2:35
